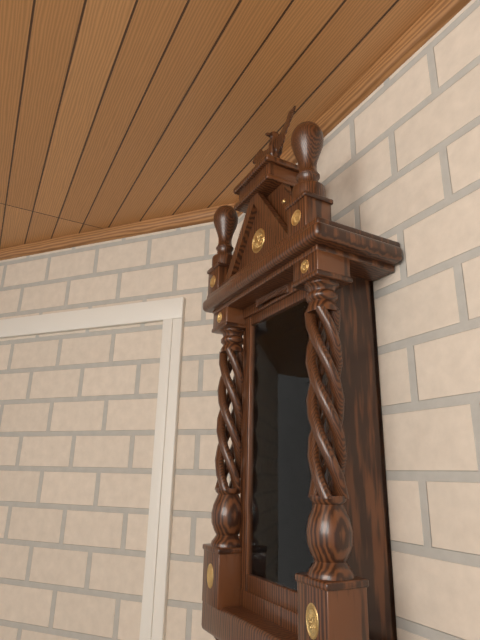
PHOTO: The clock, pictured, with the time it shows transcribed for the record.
3:02
